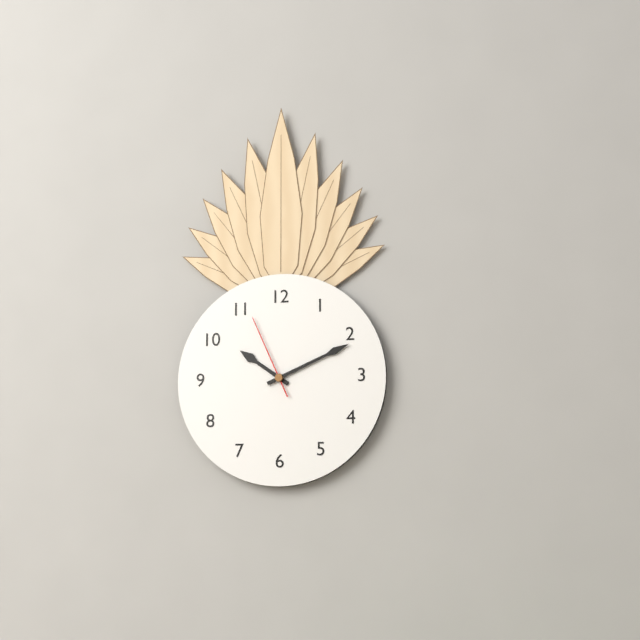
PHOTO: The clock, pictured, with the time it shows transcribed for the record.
10:11:56
